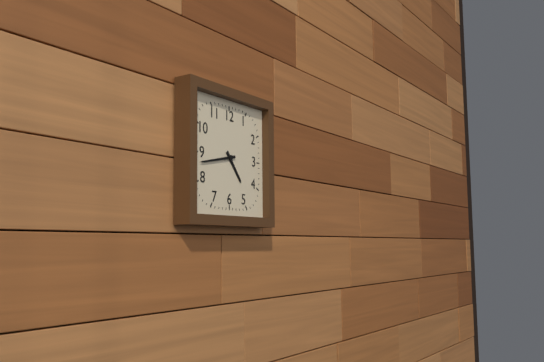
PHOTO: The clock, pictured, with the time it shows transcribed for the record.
4:43
